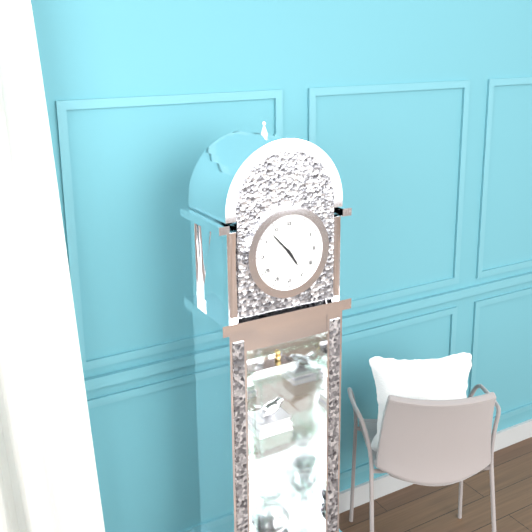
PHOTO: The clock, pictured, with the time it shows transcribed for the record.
4:53
